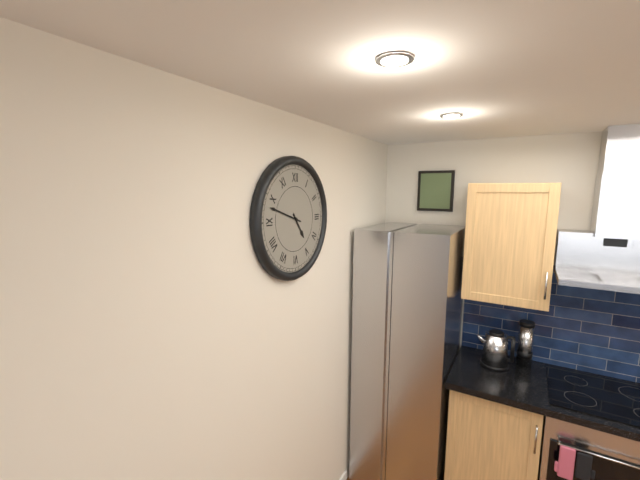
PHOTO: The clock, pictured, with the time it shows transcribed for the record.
4:48
